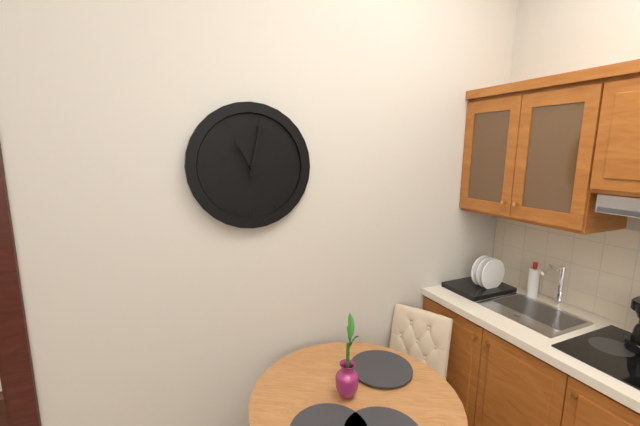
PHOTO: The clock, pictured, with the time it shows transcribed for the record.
11:02
